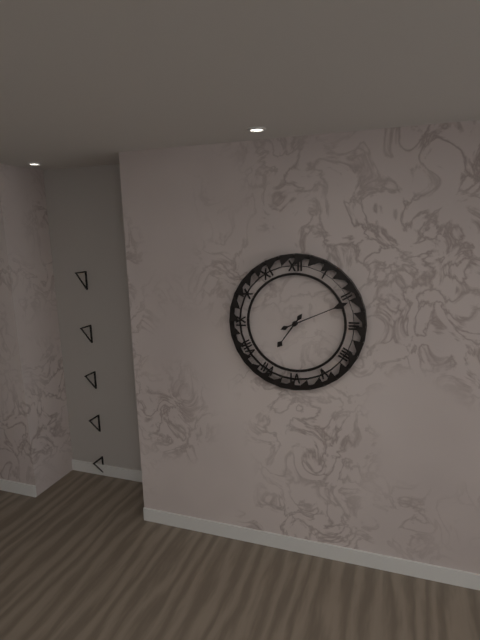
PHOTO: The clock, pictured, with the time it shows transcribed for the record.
7:11
